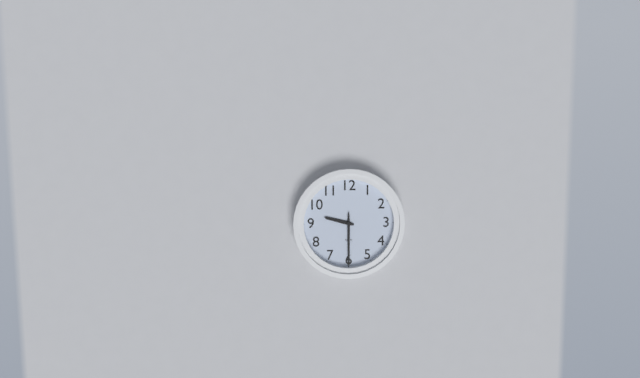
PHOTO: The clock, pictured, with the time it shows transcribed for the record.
9:30
